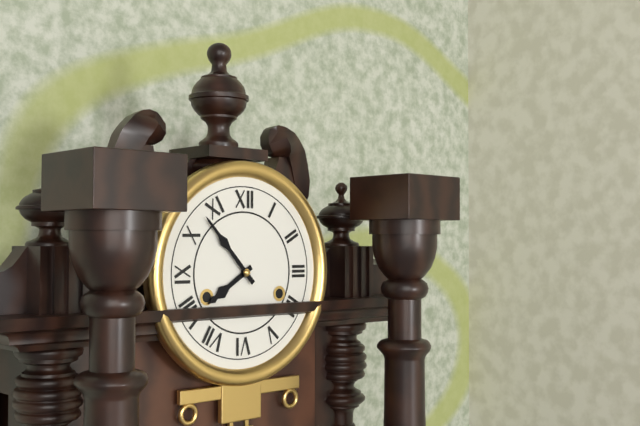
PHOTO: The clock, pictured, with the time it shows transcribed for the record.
7:53
